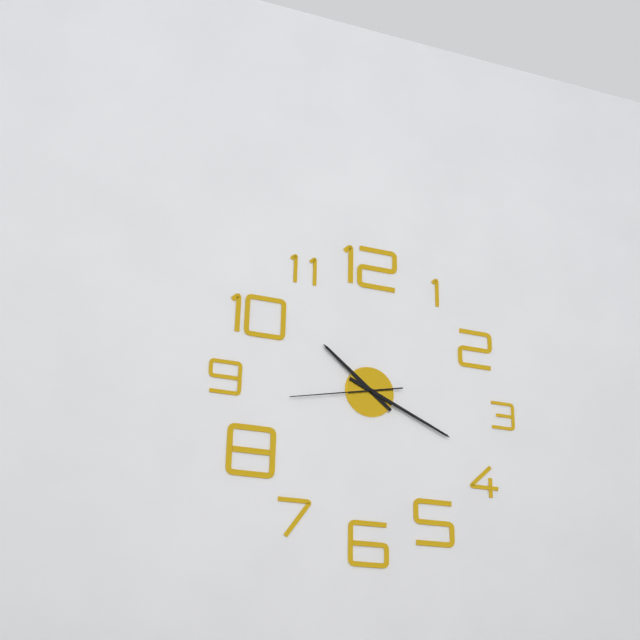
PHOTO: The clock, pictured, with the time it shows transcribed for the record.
10:19:43
